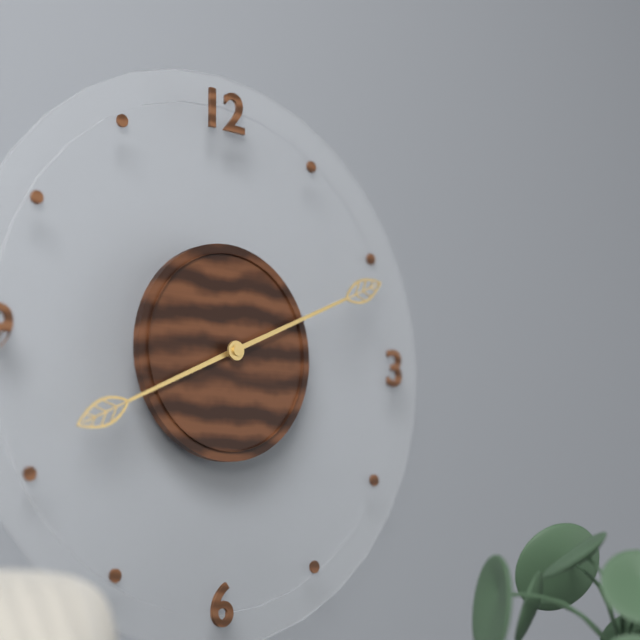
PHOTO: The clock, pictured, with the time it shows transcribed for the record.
8:11
